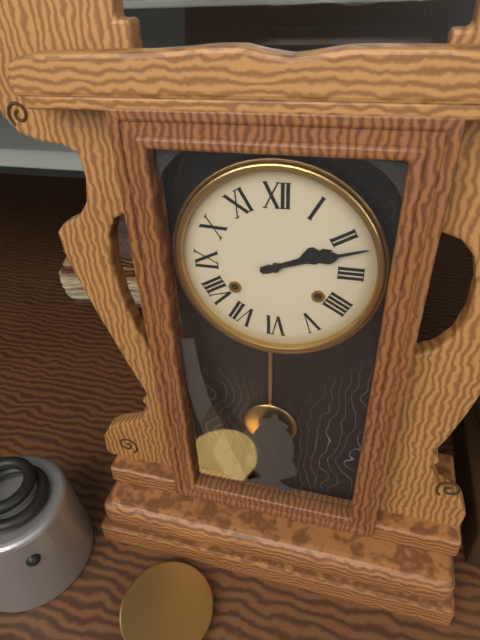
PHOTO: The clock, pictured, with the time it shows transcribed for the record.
2:12
